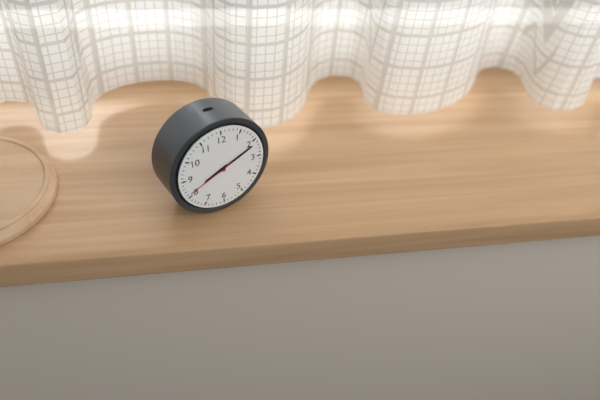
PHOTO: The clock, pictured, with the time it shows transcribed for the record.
8:11:41
